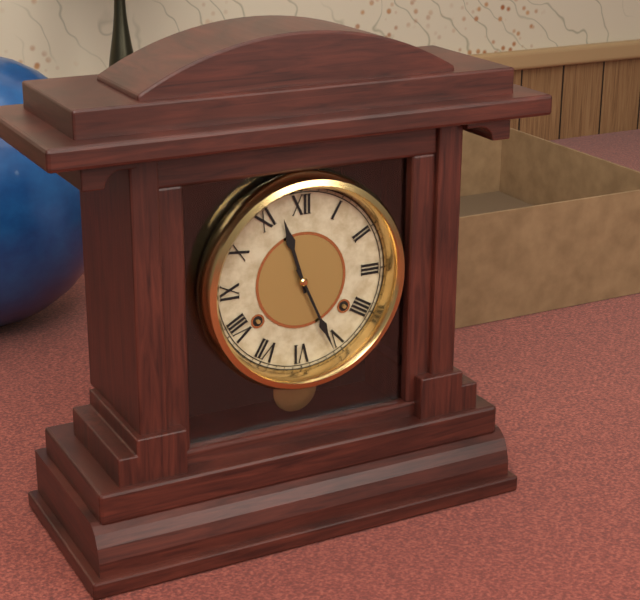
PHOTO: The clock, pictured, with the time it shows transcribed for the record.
11:26
